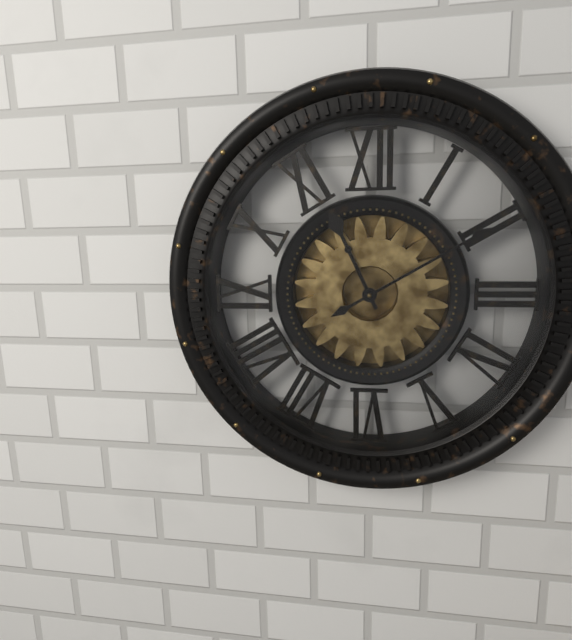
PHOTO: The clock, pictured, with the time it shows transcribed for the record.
11:10
